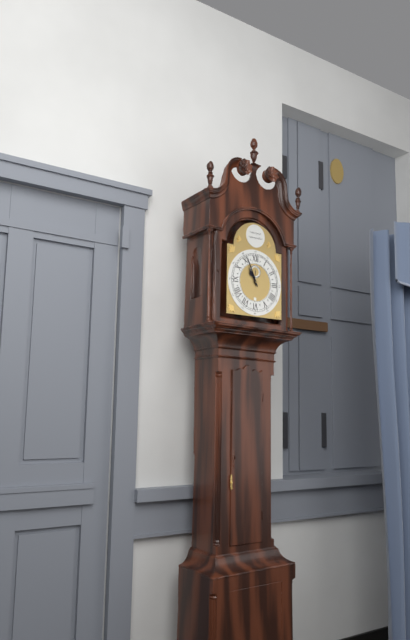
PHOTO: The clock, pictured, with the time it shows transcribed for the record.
10:56
